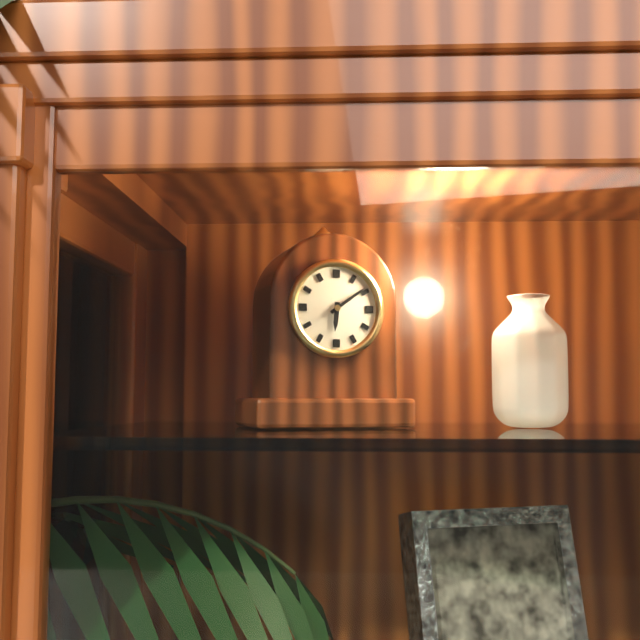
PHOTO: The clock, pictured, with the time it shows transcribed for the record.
6:09
